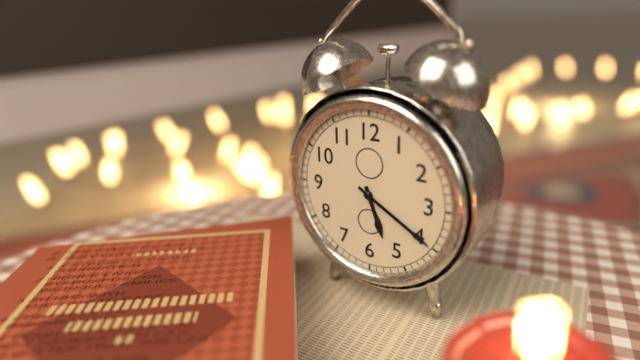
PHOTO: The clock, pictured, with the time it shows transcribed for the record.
5:20
